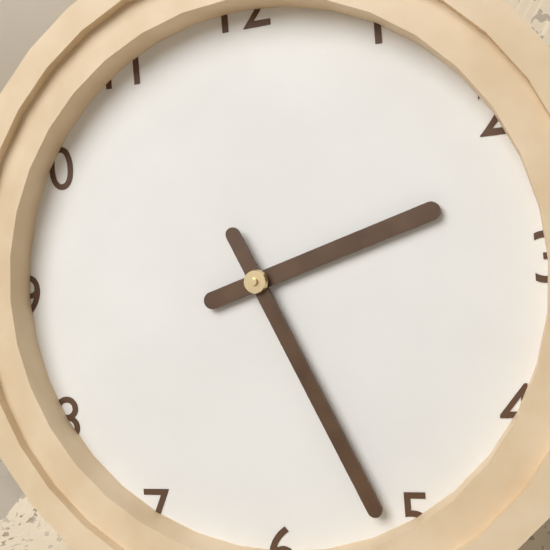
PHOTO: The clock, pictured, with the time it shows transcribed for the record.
2:26
